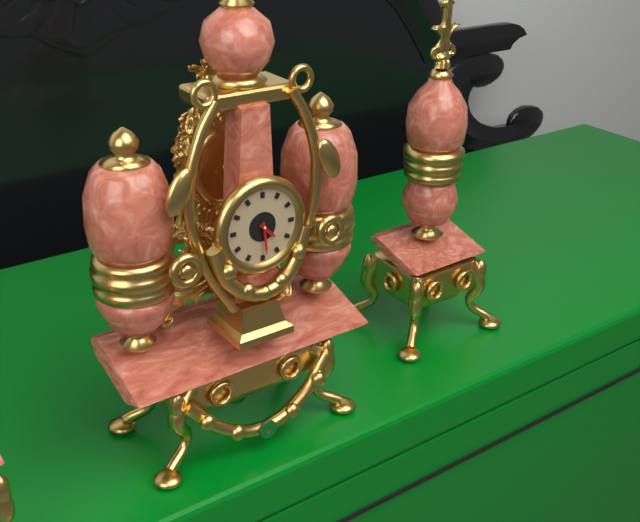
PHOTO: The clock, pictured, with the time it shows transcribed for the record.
4:29
